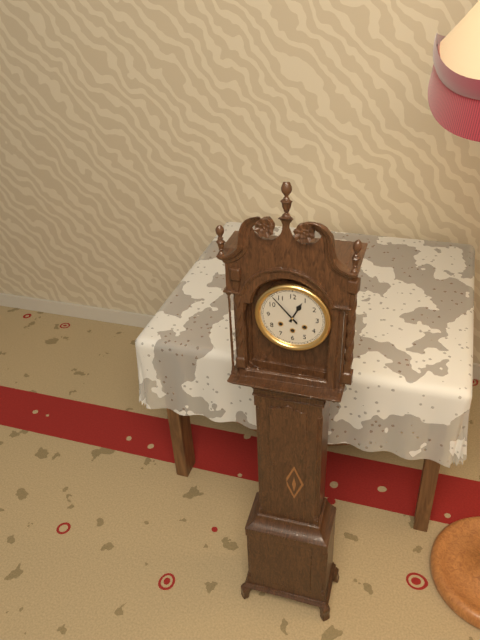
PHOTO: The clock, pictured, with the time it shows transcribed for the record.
12:53
